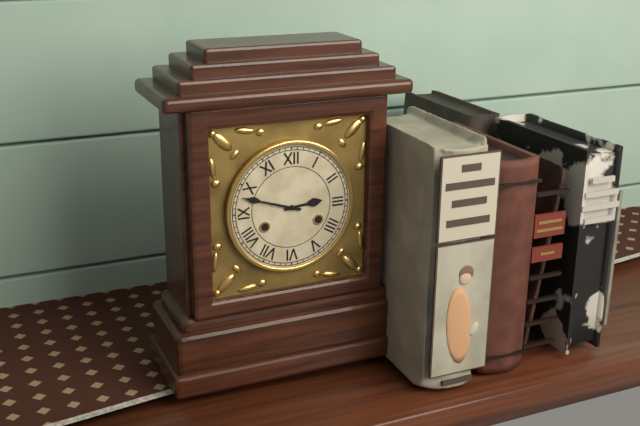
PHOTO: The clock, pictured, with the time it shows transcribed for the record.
2:48
